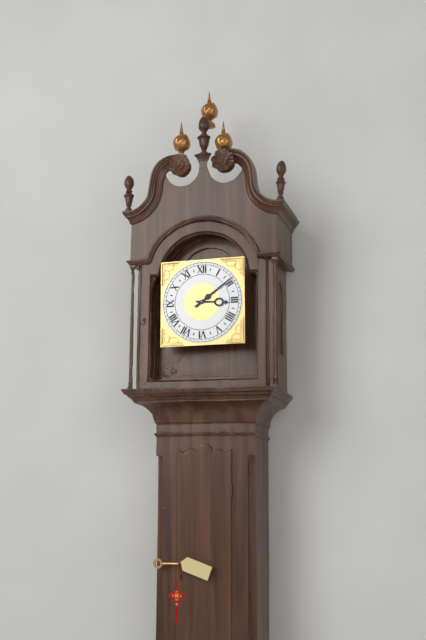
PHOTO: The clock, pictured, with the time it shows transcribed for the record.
3:09
